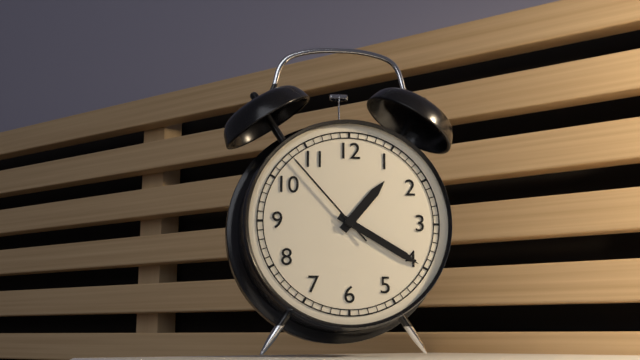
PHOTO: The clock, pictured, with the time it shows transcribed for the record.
1:20:53
